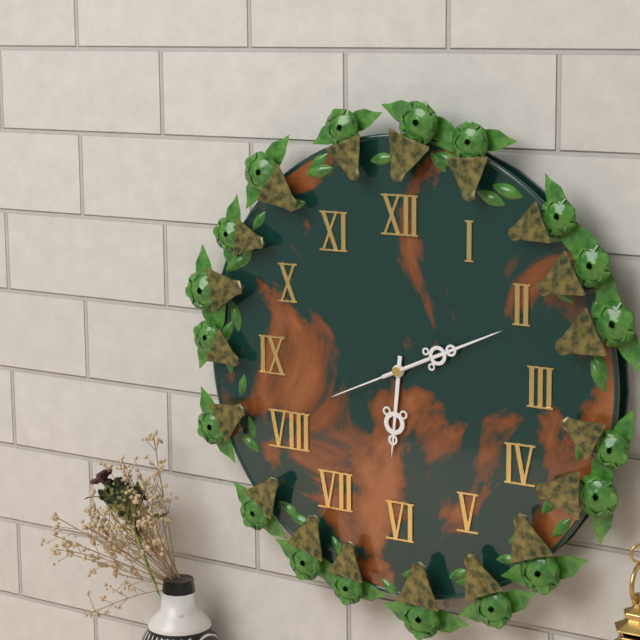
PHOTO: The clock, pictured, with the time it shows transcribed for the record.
6:11:41
